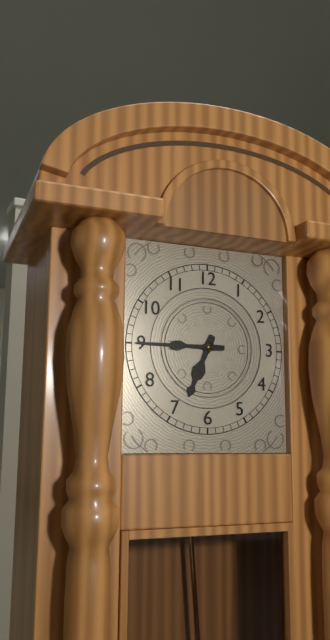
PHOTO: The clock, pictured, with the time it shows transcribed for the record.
6:45
